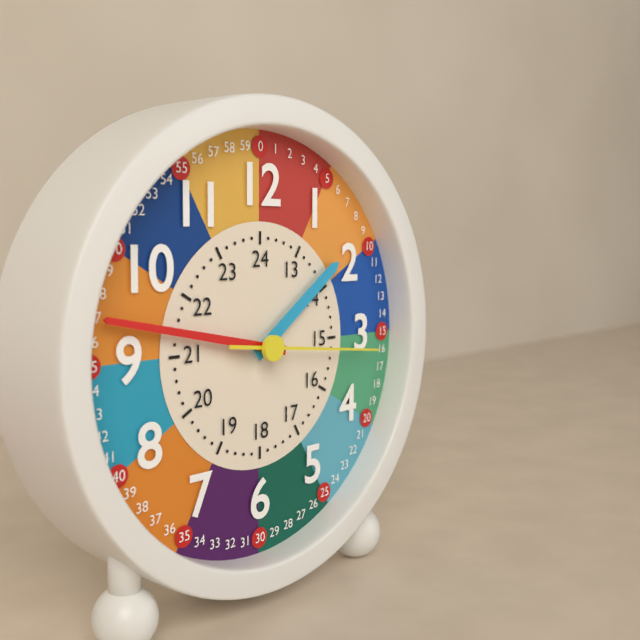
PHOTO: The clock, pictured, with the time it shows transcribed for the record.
1:47:16
